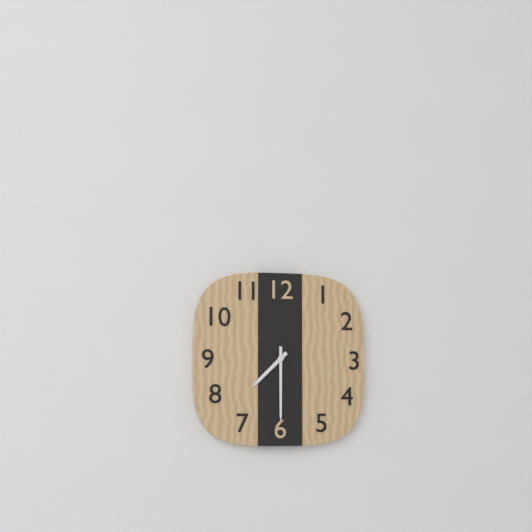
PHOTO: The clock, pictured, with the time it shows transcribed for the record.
7:30
